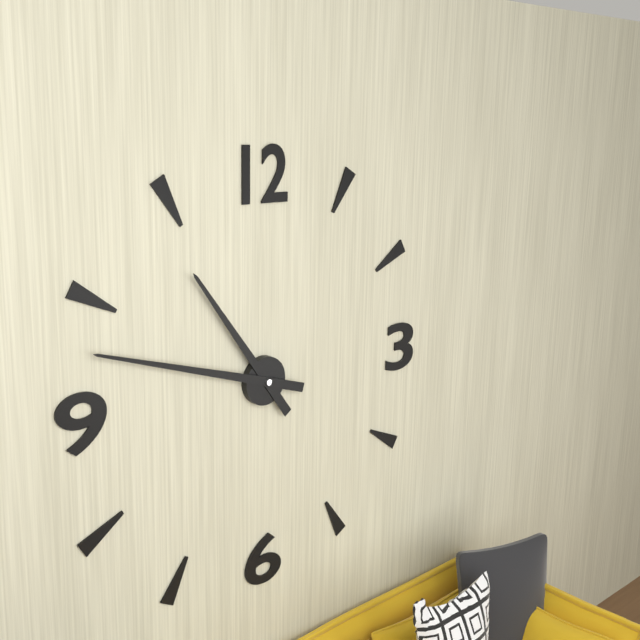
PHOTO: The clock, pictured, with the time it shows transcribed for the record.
10:48
